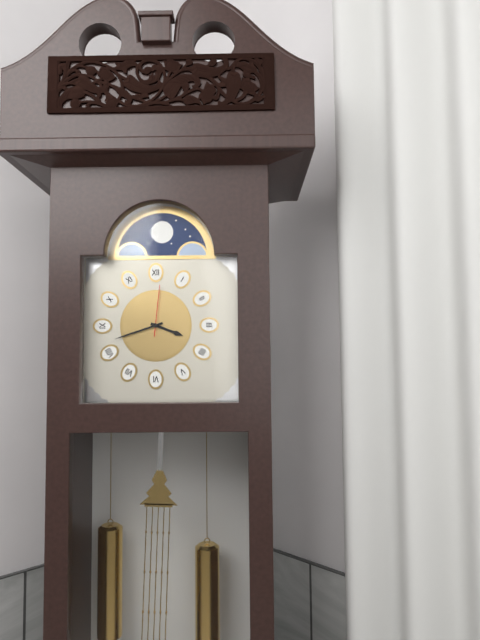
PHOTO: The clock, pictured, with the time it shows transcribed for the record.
3:42:01
